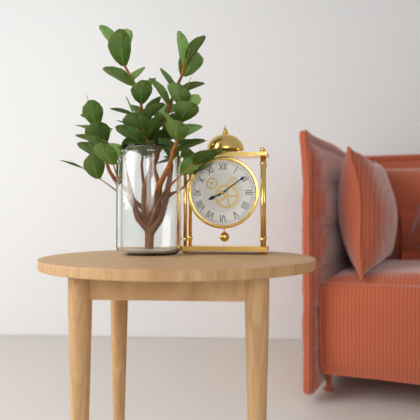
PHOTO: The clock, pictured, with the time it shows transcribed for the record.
8:09
